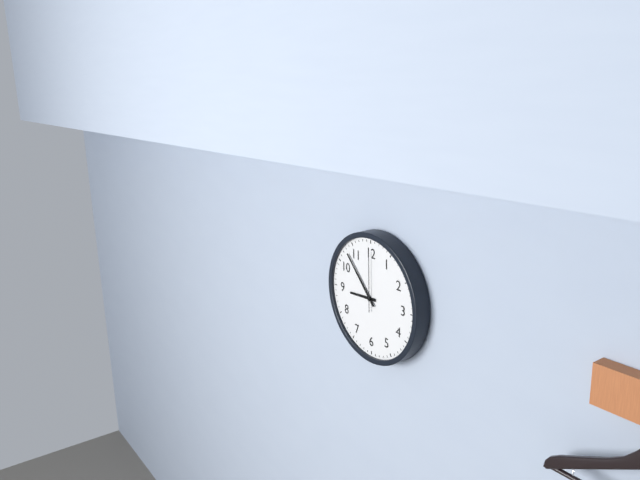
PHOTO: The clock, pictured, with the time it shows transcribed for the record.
8:53:00
